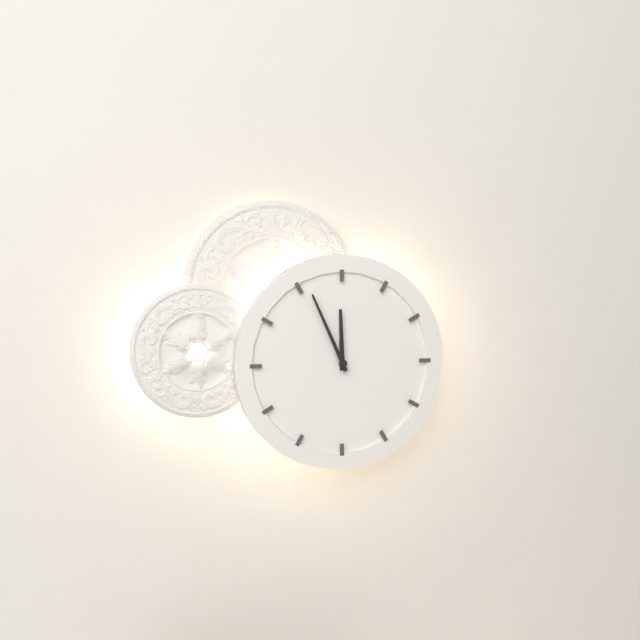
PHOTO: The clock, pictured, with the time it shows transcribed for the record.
11:56
